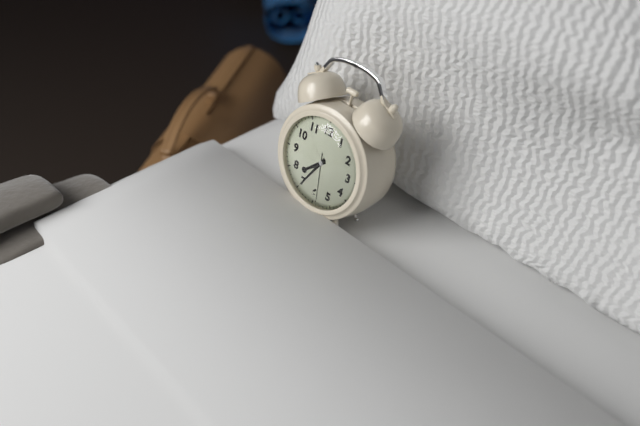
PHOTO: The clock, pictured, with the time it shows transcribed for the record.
7:35
